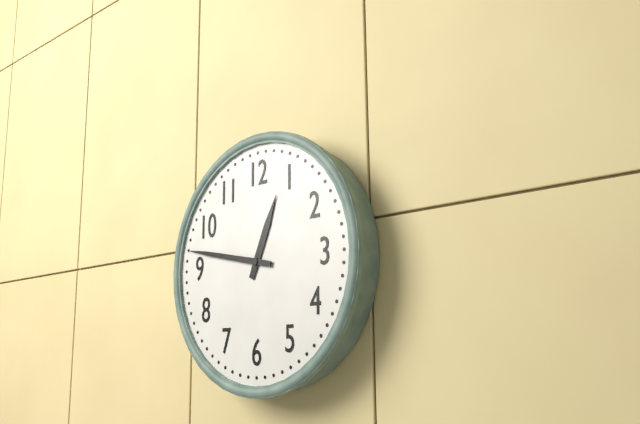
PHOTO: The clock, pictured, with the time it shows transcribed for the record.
12:47
